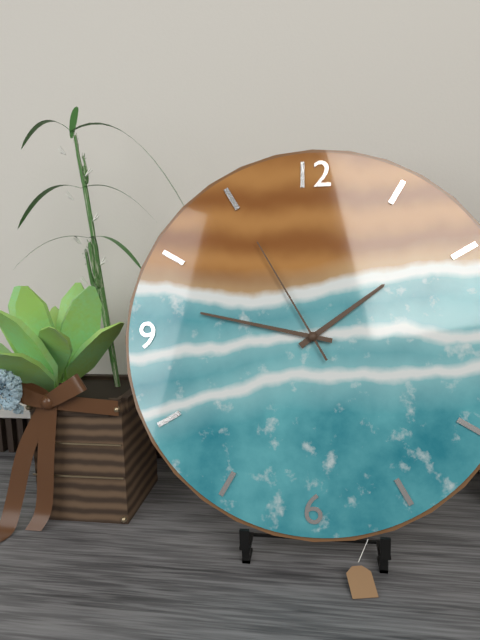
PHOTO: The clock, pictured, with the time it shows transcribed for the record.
1:47:55
